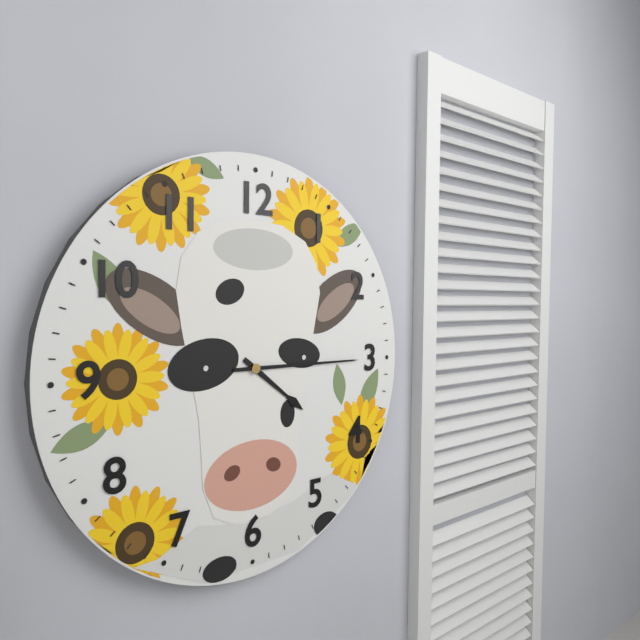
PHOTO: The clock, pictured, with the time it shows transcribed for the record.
4:15
